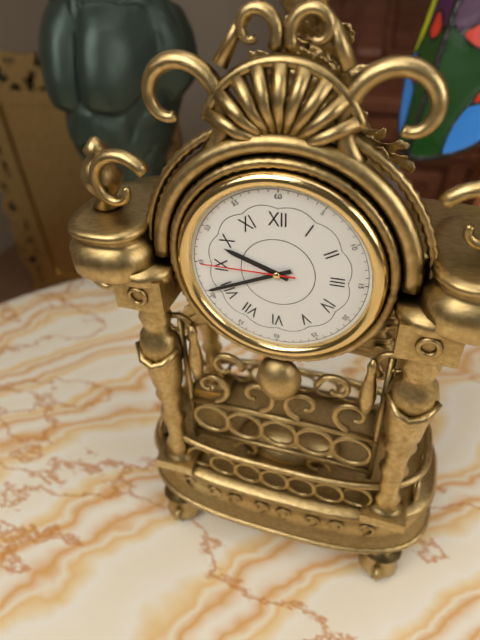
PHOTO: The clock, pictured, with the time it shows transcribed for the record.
9:41:45
